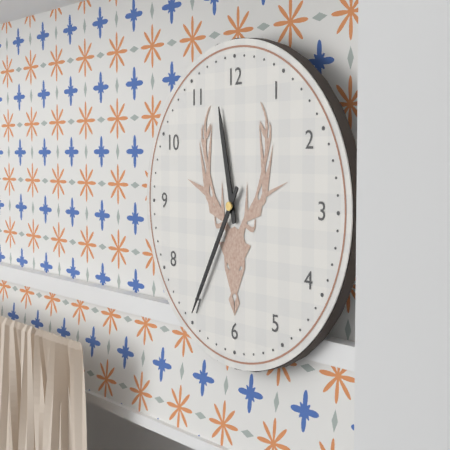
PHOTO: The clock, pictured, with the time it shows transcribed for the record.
11:35
